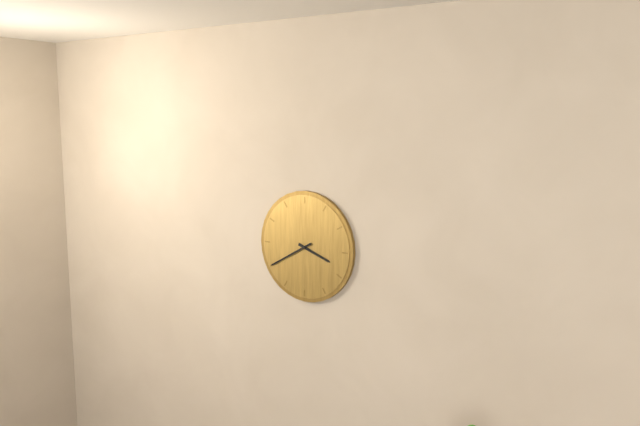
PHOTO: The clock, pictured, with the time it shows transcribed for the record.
3:40
